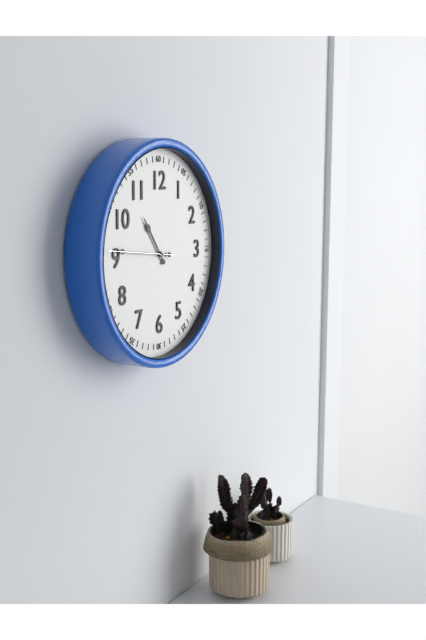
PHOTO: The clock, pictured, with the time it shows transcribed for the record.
10:46:46
